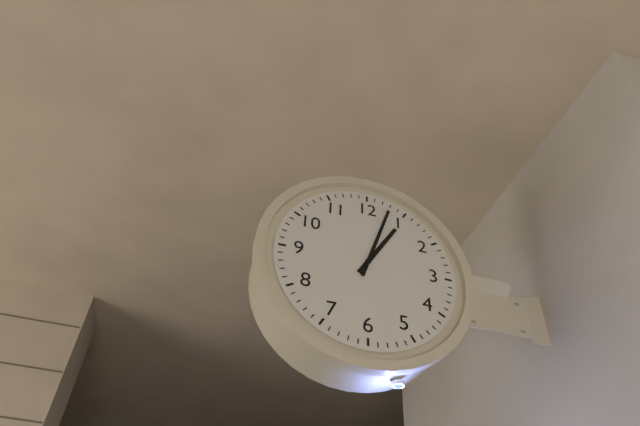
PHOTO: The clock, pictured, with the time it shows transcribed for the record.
1:03
